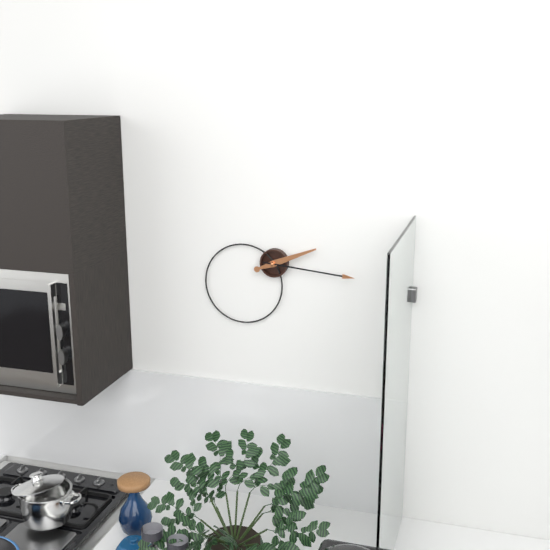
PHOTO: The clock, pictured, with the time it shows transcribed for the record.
2:16
